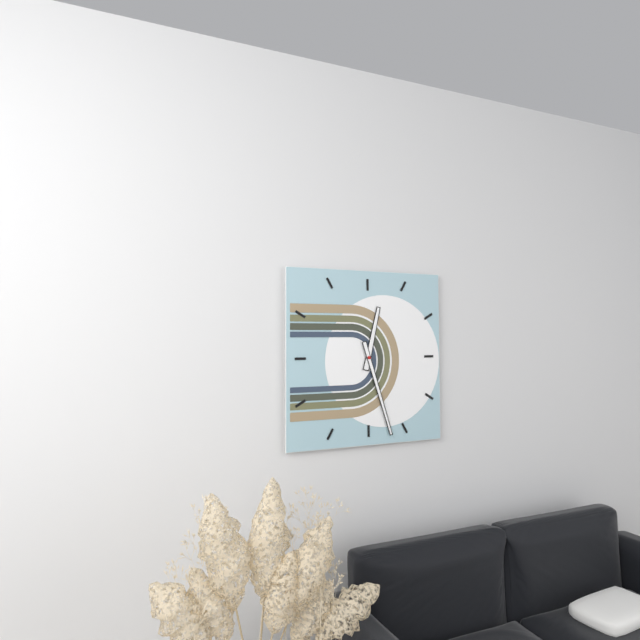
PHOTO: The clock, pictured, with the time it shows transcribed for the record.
12:27
